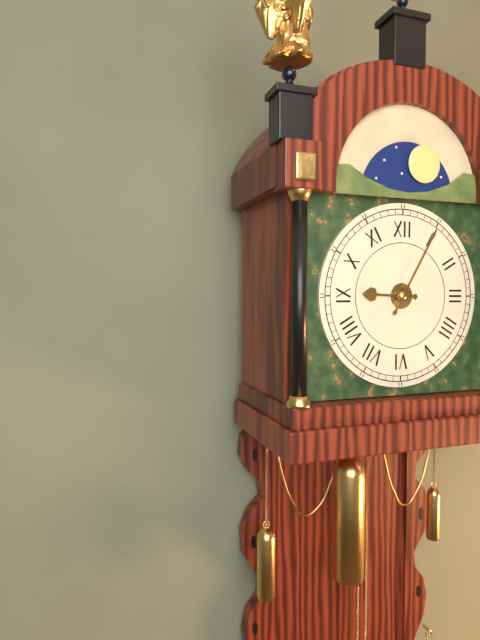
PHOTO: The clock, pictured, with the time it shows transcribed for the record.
9:05
